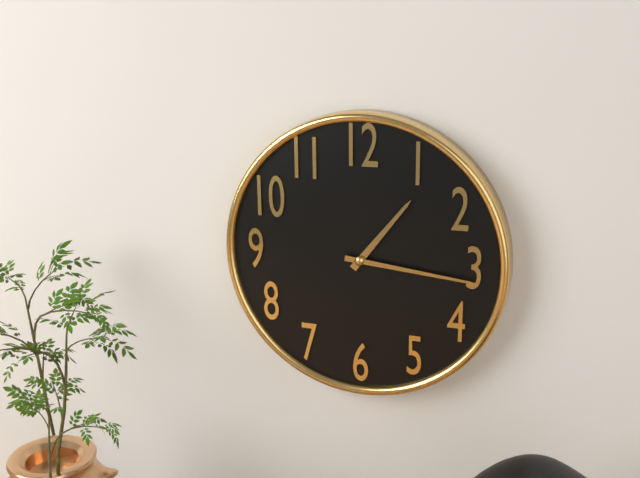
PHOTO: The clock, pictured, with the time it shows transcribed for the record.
1:16
